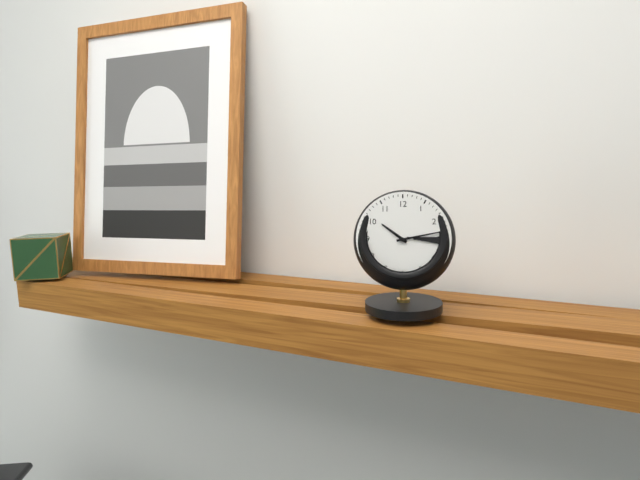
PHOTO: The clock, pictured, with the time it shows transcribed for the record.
10:13
